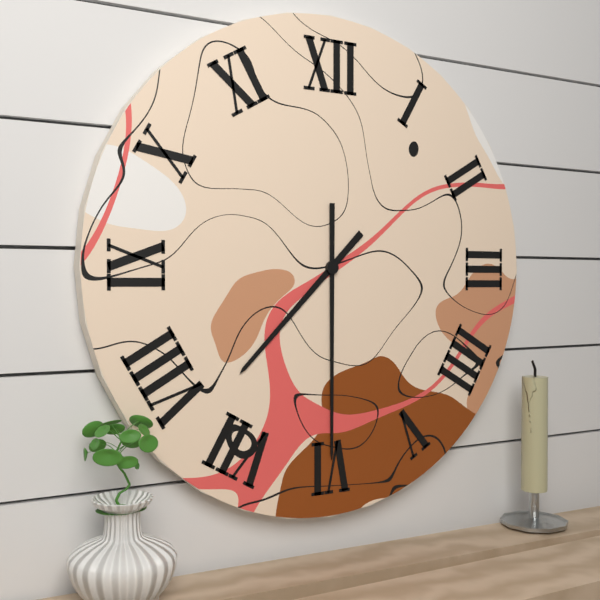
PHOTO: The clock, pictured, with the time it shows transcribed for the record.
7:30
